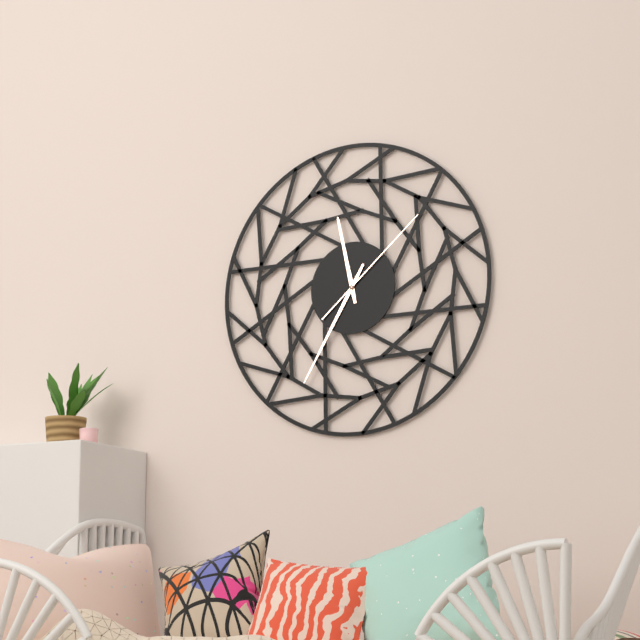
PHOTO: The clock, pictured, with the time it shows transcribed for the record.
11:35:08
